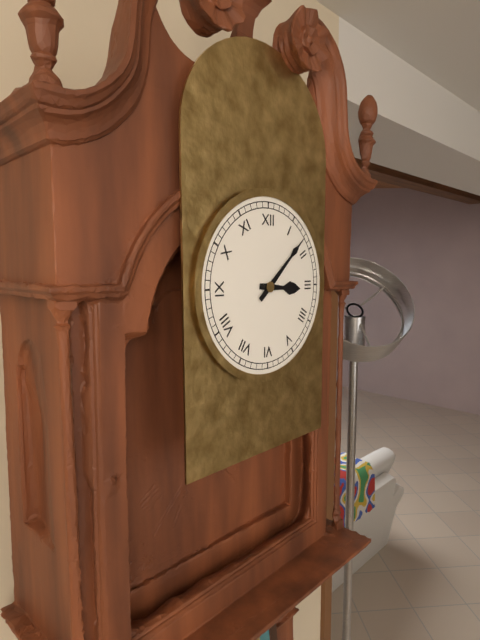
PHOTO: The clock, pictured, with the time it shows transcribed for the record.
3:08
